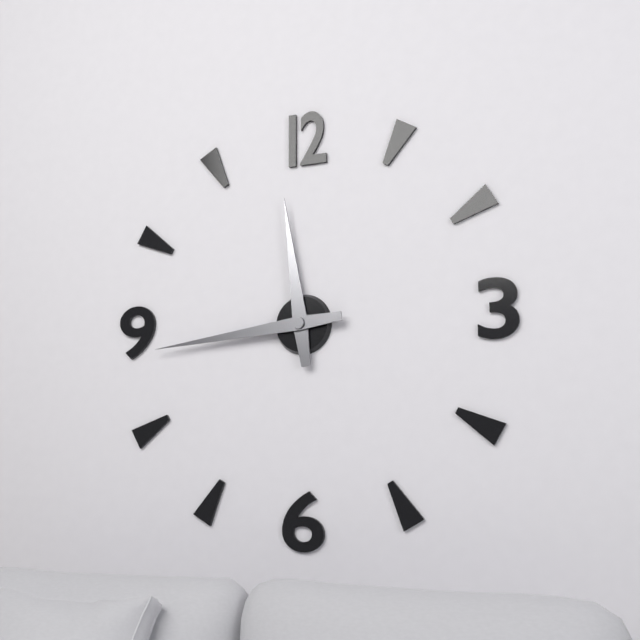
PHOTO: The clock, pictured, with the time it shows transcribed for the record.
11:44
